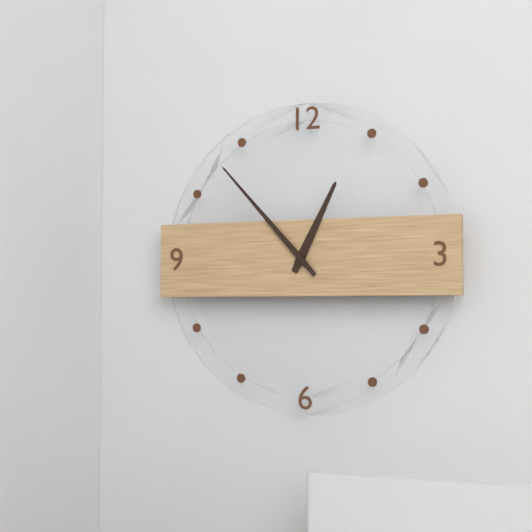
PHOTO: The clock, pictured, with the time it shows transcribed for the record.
12:53
